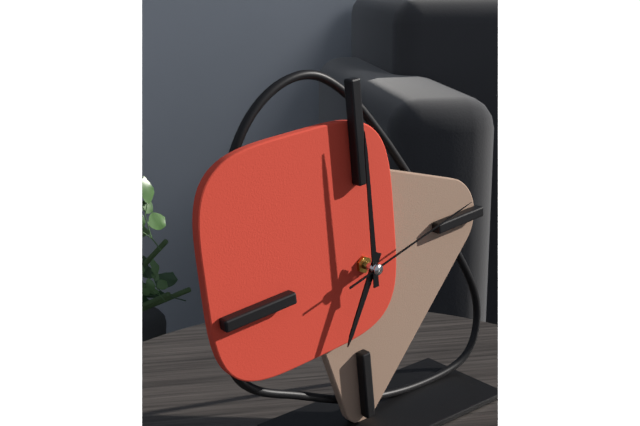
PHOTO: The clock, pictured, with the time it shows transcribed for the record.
7:00:13
